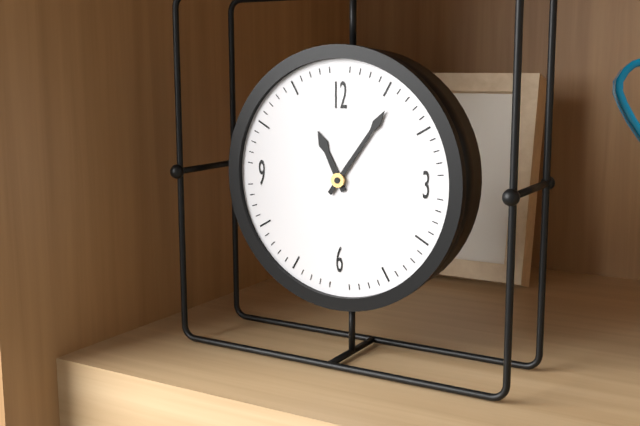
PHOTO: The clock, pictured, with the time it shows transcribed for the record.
11:06
